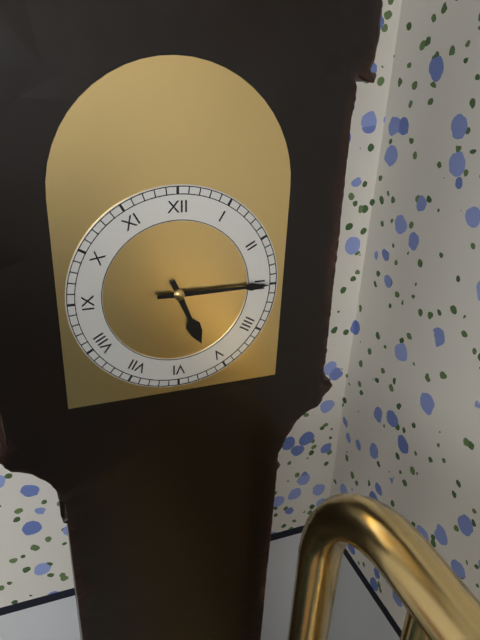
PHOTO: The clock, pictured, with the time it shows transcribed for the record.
5:15
